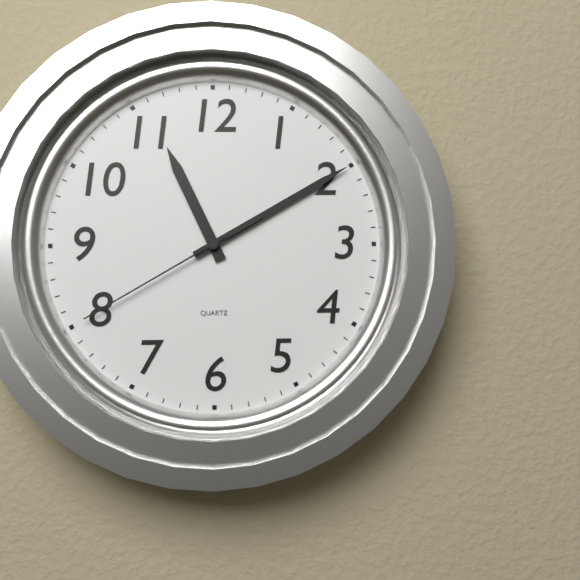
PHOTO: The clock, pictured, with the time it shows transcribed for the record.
11:10:40
